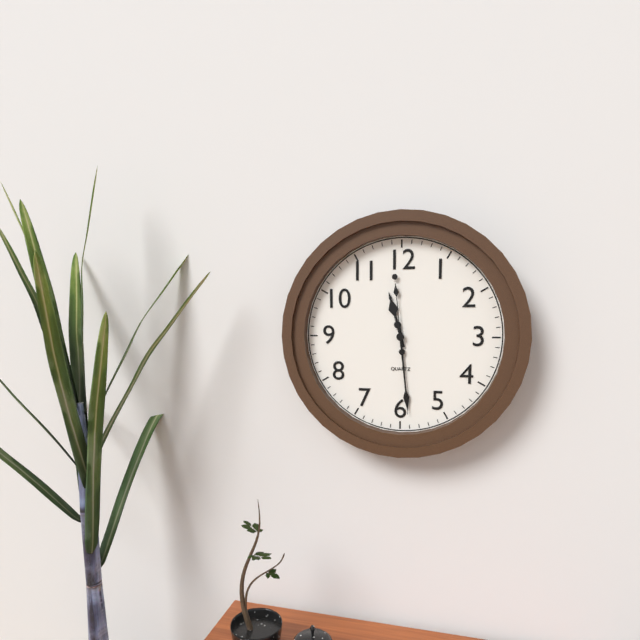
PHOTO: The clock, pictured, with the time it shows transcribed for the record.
11:29:29
